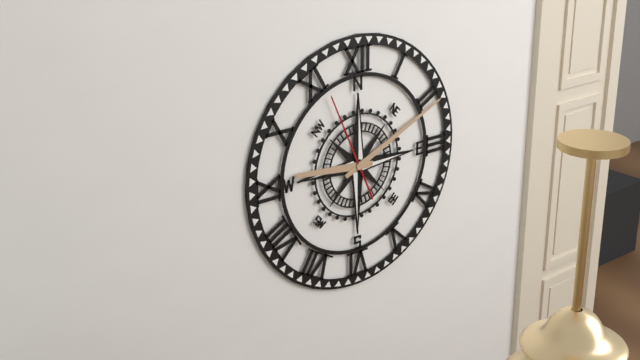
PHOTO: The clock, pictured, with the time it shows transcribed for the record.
9:11:56
